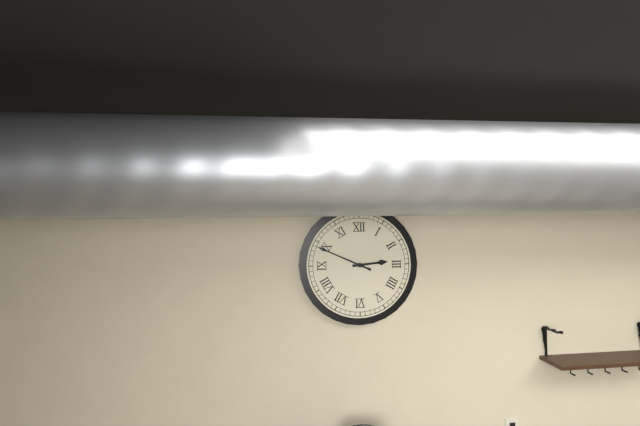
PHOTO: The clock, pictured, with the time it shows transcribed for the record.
2:49
